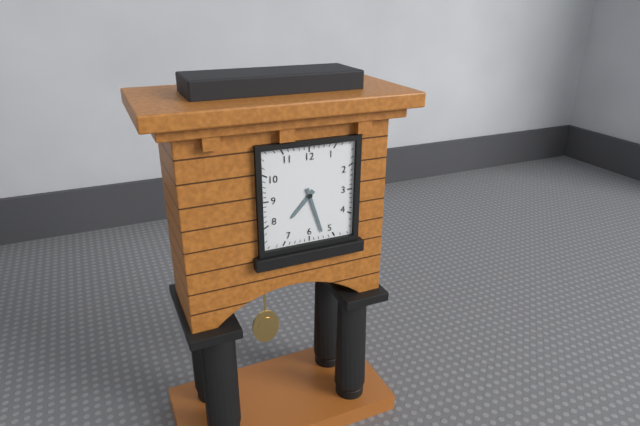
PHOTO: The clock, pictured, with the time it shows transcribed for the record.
7:27
